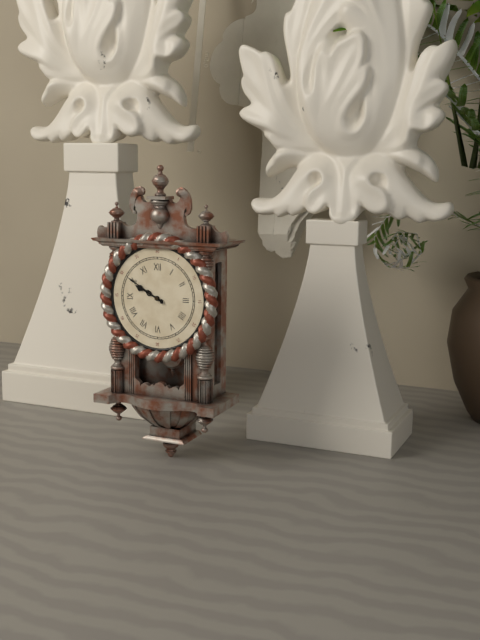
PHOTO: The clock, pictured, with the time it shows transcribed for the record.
9:50
